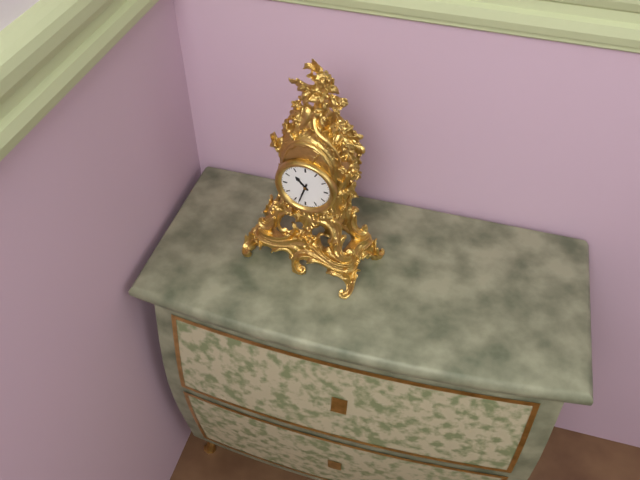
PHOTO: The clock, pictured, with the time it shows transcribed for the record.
10:33
